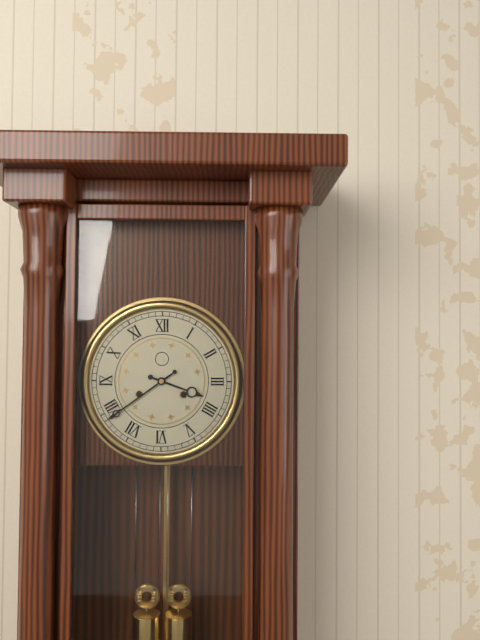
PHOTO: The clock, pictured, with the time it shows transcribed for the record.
3:39
